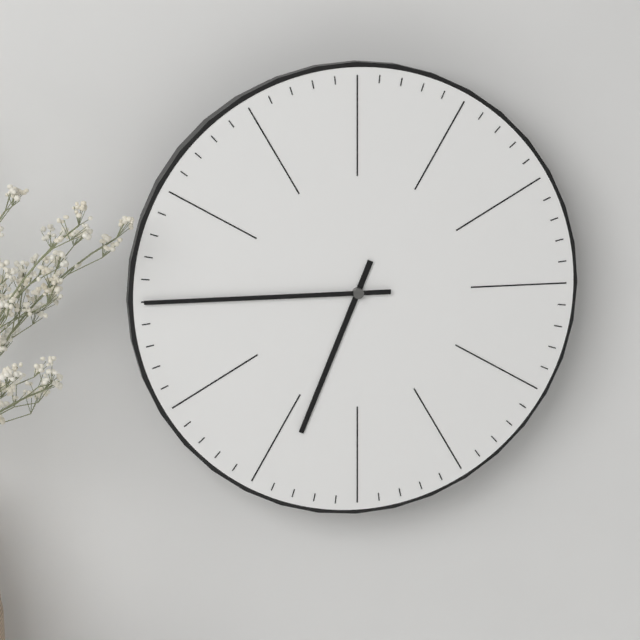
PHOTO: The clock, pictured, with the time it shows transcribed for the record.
6:45
